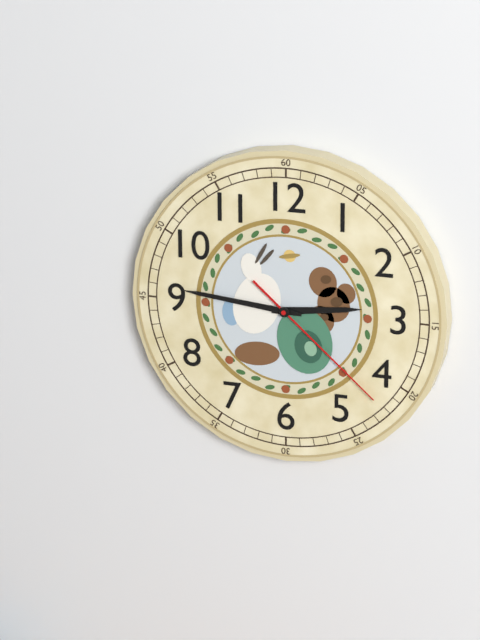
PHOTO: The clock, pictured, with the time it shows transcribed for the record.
2:46:22
